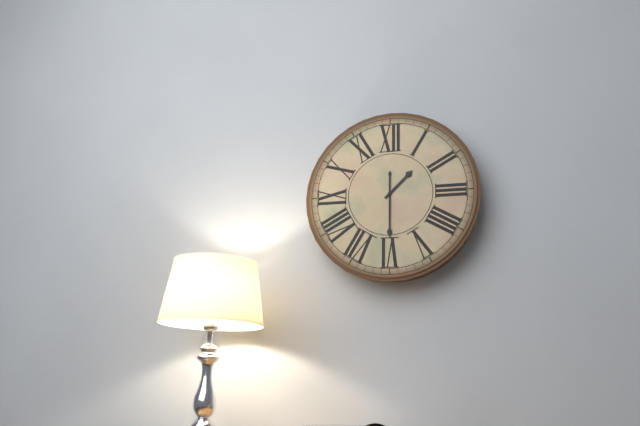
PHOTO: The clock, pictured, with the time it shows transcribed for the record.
1:30
